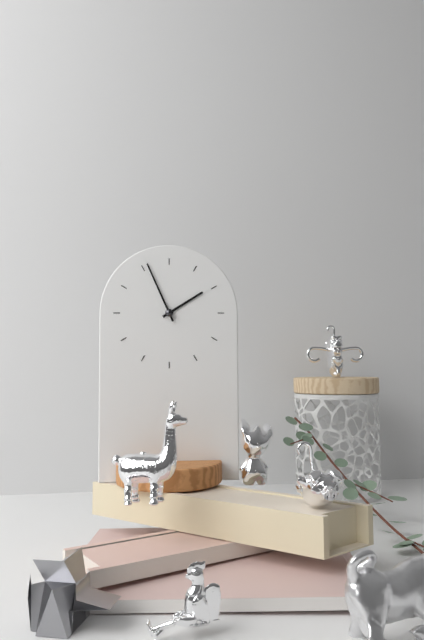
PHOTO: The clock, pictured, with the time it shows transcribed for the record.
1:56
